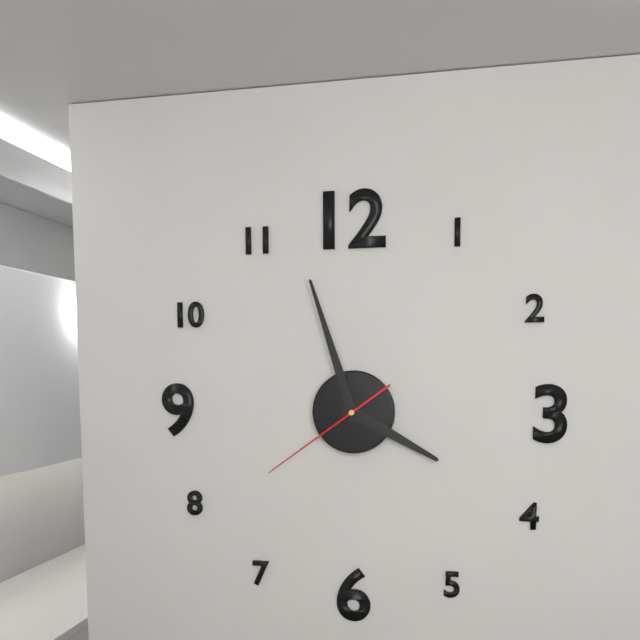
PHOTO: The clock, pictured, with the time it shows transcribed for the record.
3:57:39
